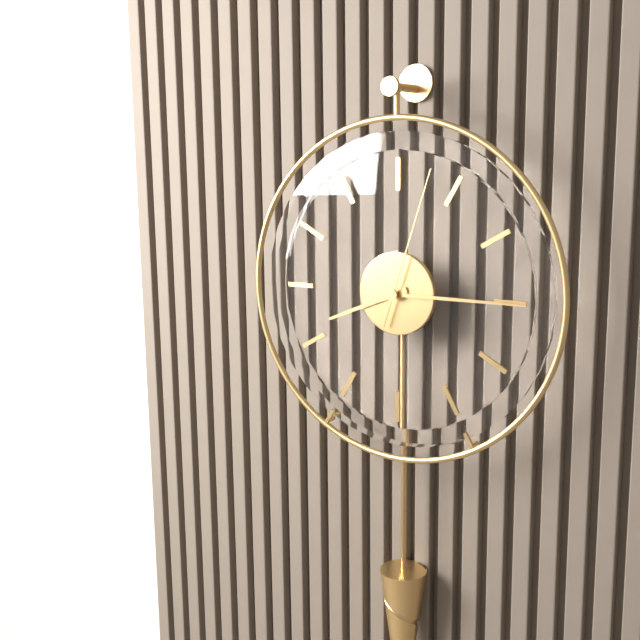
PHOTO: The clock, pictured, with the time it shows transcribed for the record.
8:15:03
